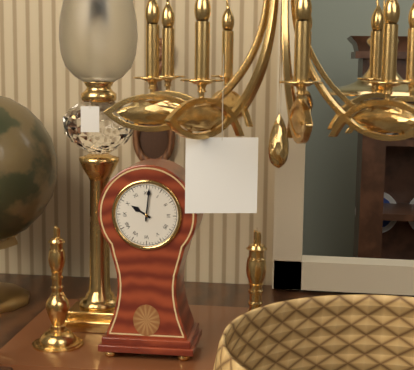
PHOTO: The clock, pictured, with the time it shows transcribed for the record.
10:01
